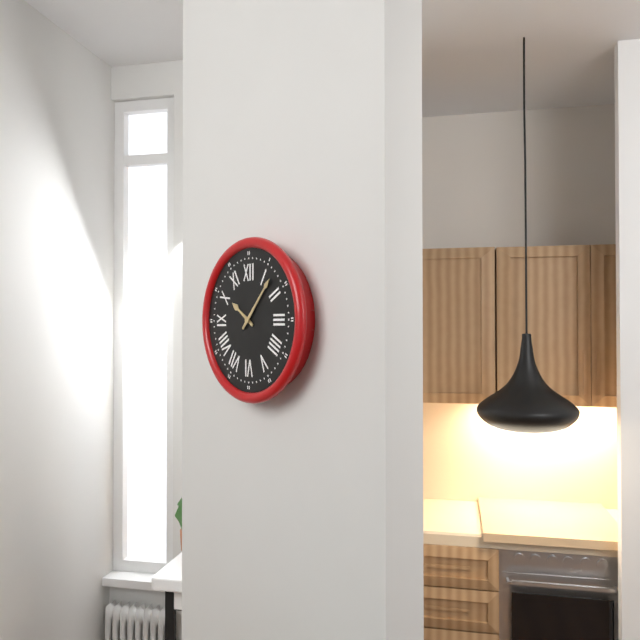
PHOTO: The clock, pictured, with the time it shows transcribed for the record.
10:07
